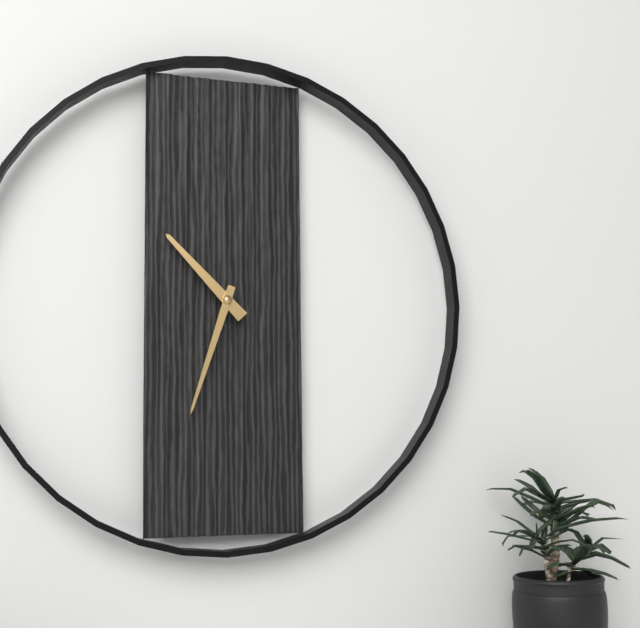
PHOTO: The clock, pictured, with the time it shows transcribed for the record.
10:33
